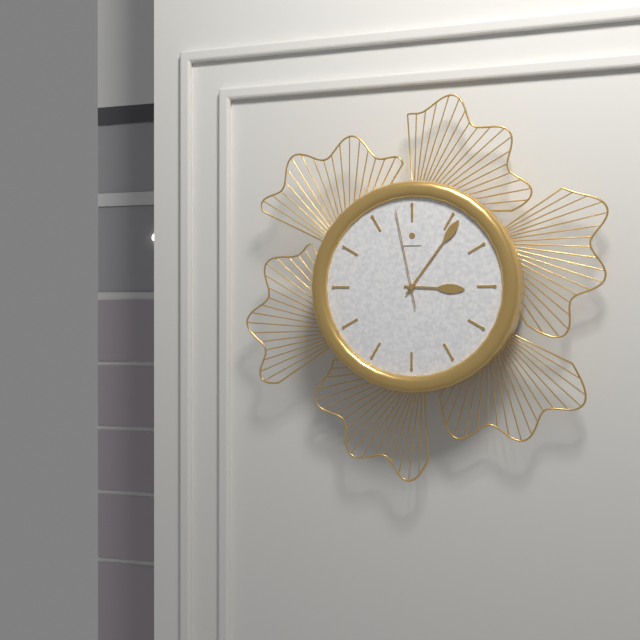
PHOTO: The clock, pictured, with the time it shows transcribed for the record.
3:06:58
